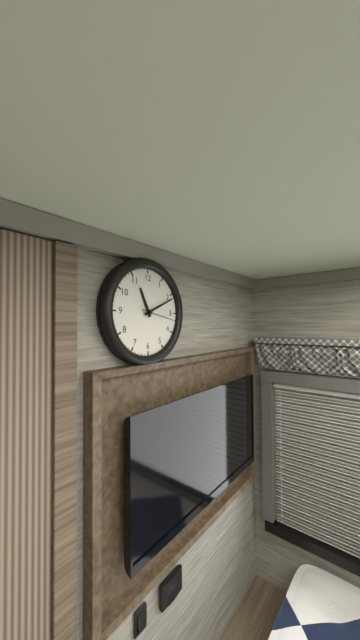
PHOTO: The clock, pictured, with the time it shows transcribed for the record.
11:11
